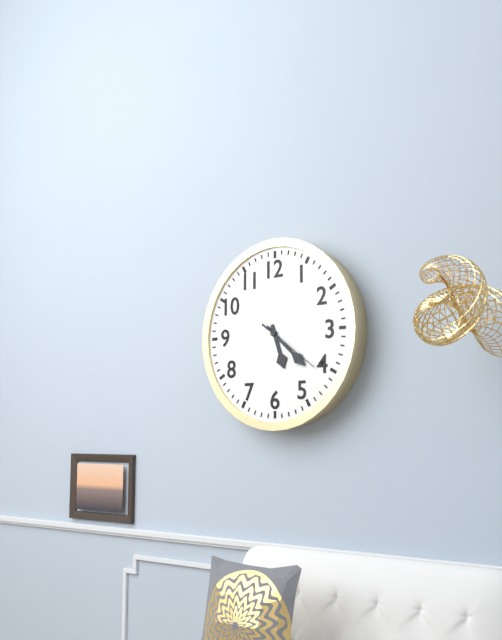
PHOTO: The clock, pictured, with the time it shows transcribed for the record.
5:22:21
